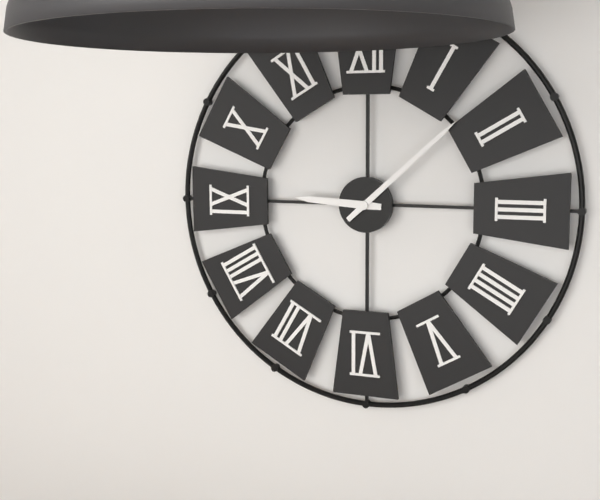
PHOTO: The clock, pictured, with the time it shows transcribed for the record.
9:08
